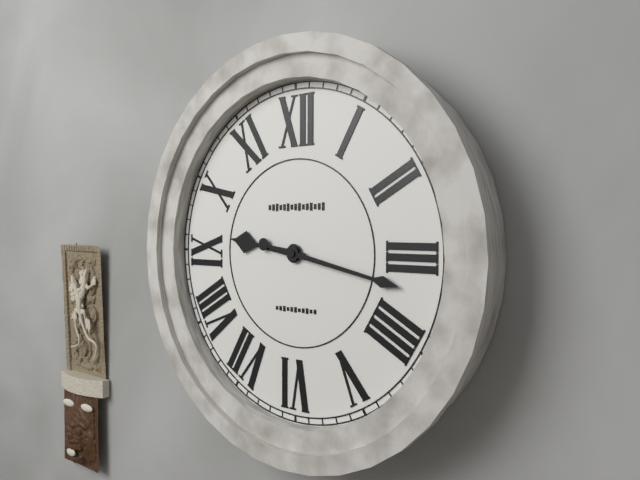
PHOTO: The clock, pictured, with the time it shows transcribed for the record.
9:17
